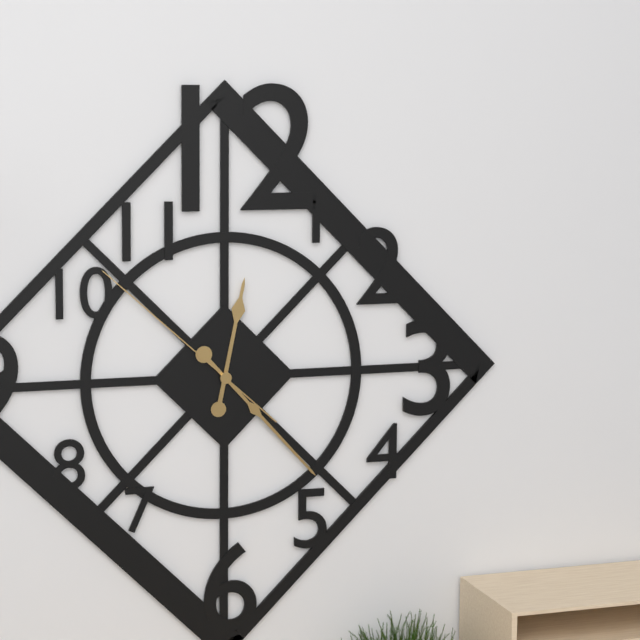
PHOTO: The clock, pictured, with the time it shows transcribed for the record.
12:23:52
